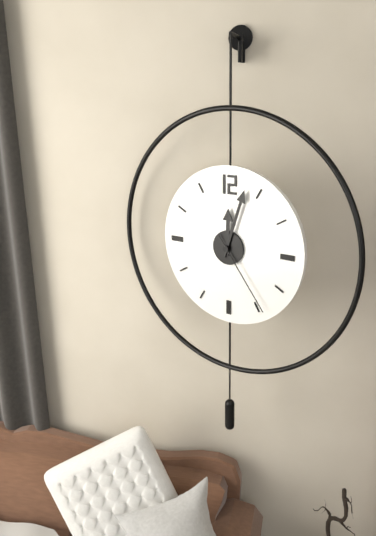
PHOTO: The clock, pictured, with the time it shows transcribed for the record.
12:03:24
